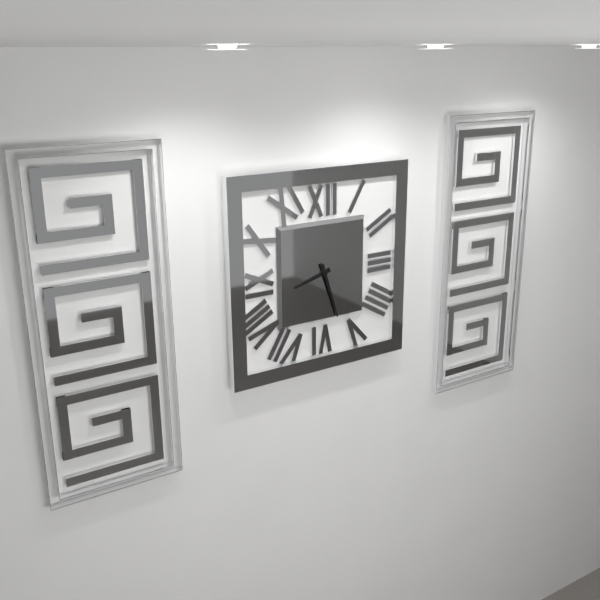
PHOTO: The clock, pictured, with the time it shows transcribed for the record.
8:27
